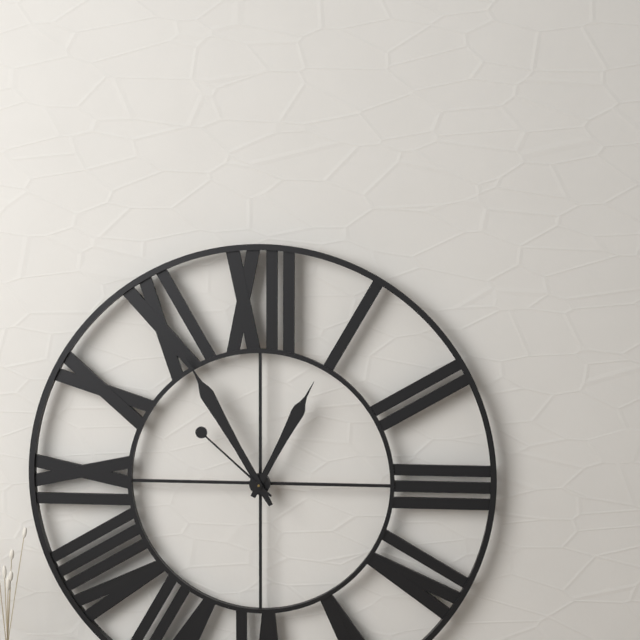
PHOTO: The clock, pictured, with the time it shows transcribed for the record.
12:55:52
